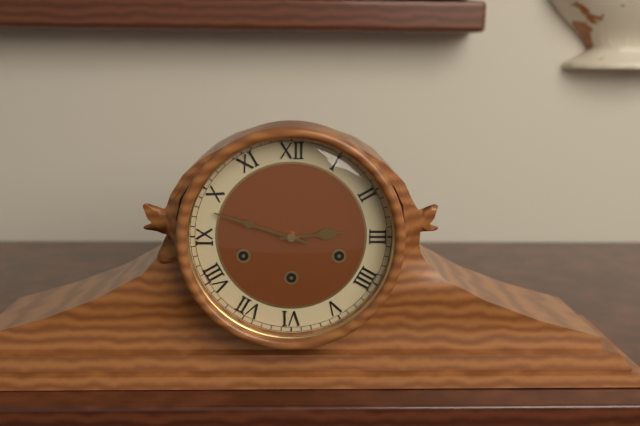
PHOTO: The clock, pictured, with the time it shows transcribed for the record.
2:48
